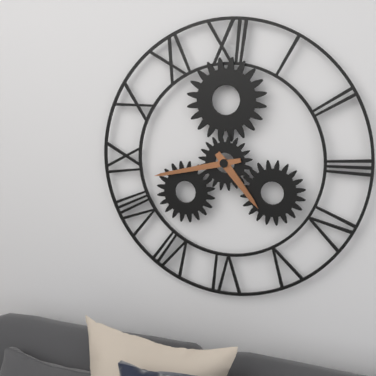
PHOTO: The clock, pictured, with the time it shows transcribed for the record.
4:43
